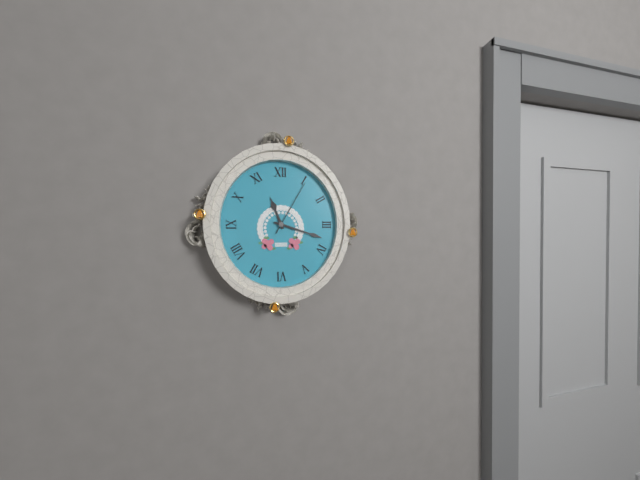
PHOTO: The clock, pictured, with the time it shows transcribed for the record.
11:18:05
